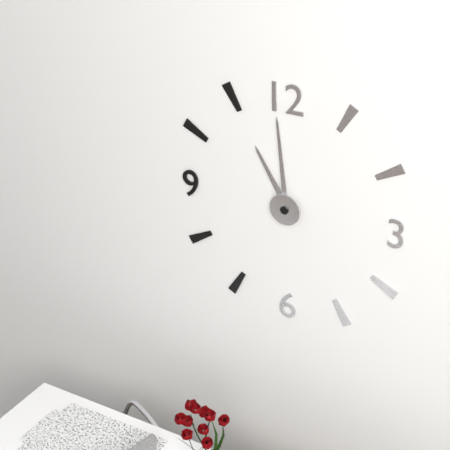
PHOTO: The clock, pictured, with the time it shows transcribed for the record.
10:59
